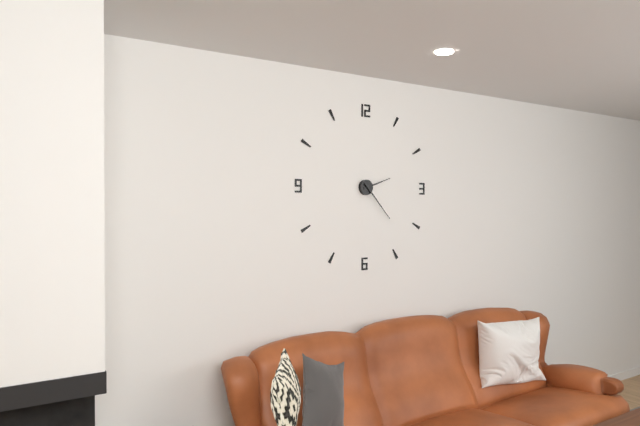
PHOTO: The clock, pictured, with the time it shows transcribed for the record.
2:23
